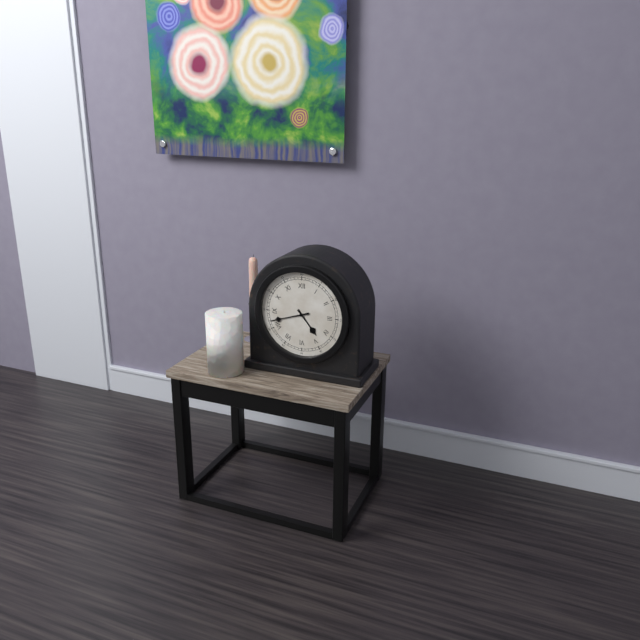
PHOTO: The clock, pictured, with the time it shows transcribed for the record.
4:42
